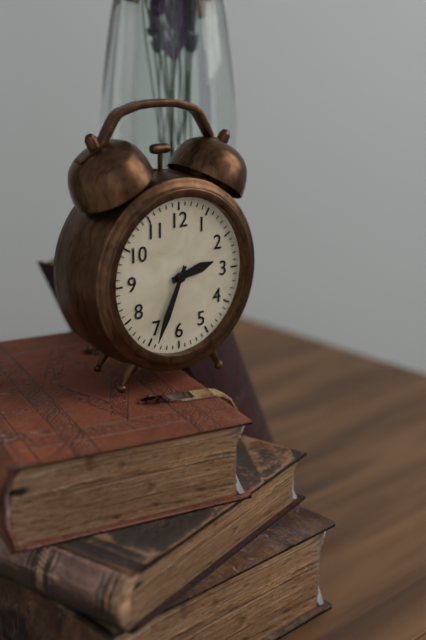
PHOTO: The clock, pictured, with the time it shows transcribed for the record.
2:34
